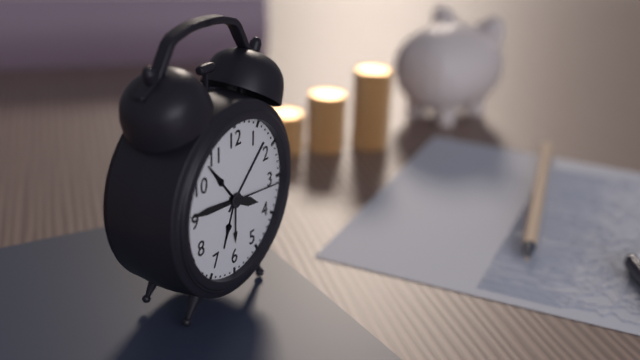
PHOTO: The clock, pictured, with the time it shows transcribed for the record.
3:46:16
